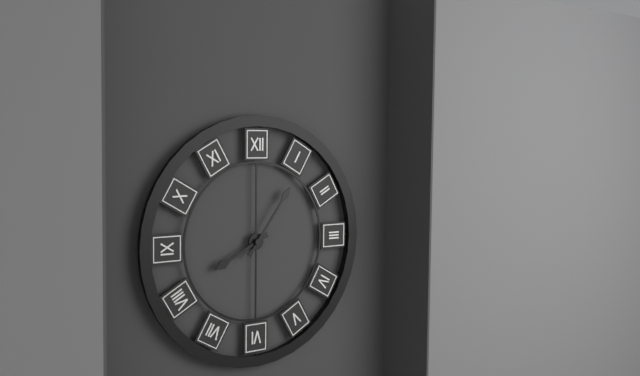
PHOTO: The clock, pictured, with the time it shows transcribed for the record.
8:06
